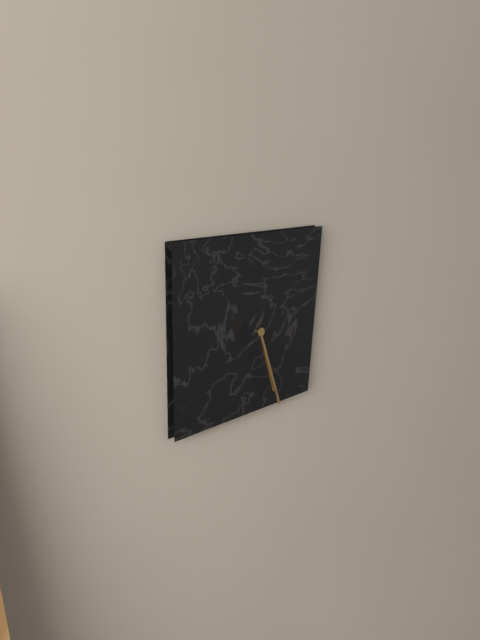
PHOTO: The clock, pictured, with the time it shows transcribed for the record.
5:27
